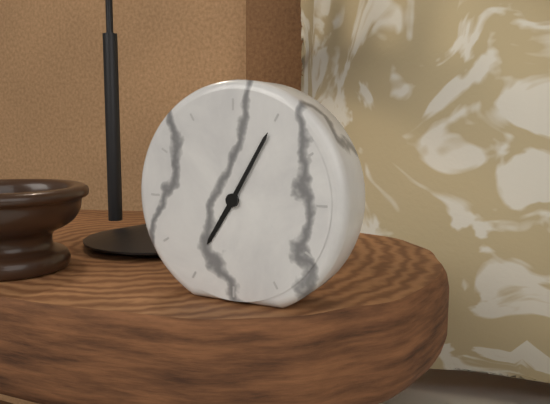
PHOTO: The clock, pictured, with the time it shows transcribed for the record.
7:05
